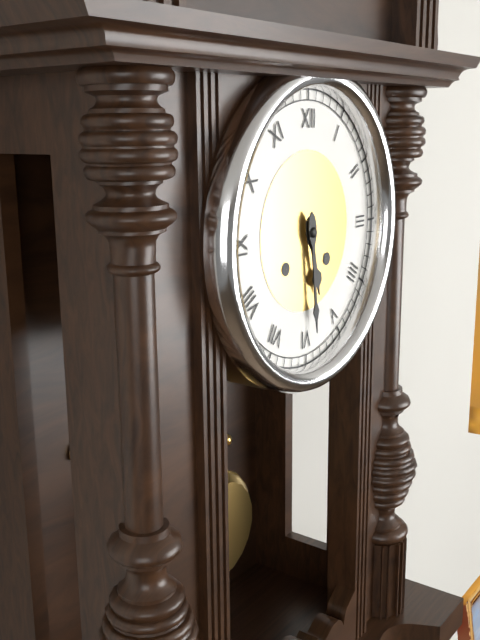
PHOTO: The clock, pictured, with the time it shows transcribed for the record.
5:29
